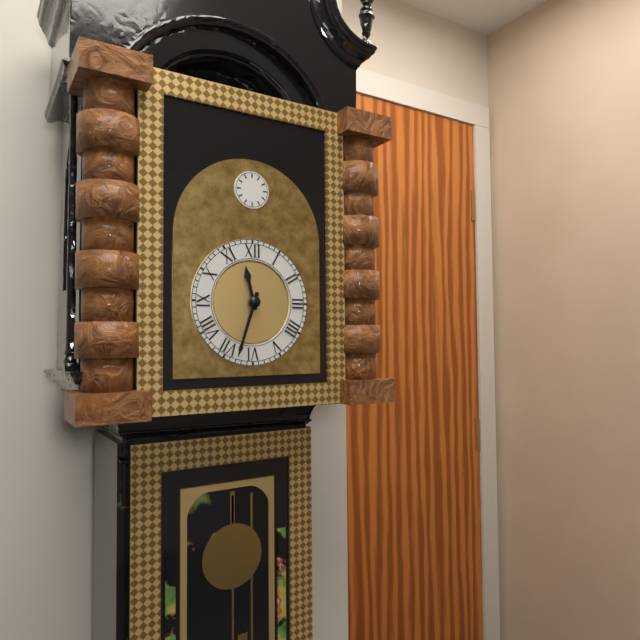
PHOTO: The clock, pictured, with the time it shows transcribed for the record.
11:33
